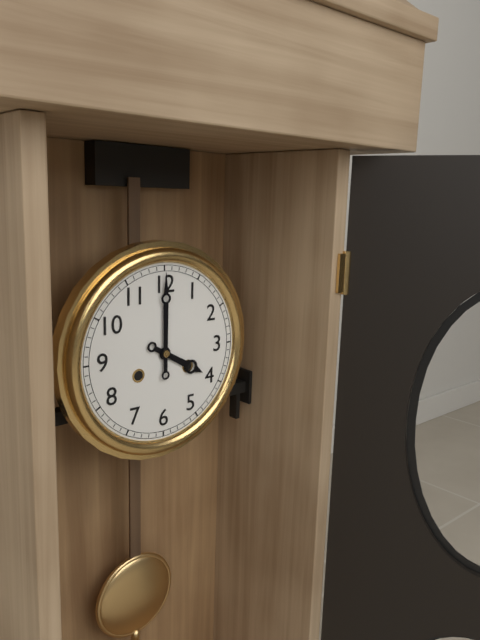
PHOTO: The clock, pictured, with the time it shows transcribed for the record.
4:00
